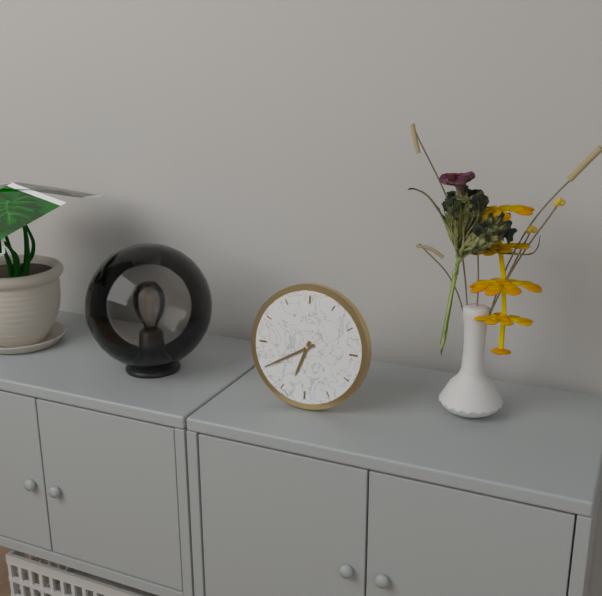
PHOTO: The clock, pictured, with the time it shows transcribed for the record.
6:40
